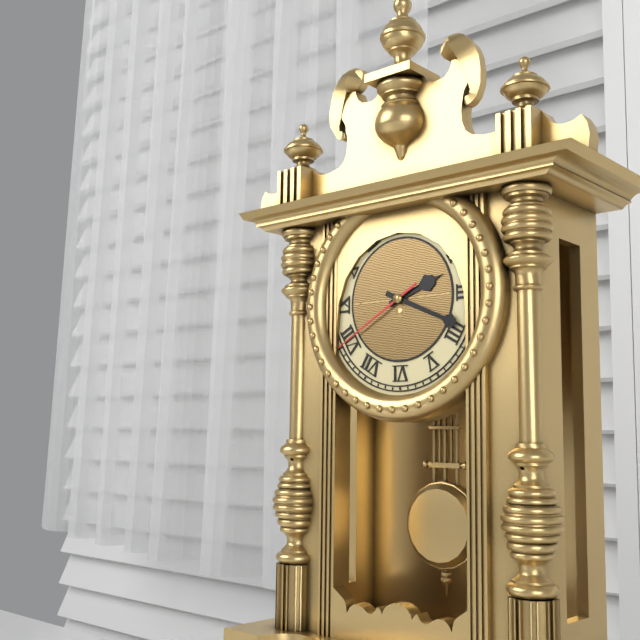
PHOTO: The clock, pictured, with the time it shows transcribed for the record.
2:19:40
